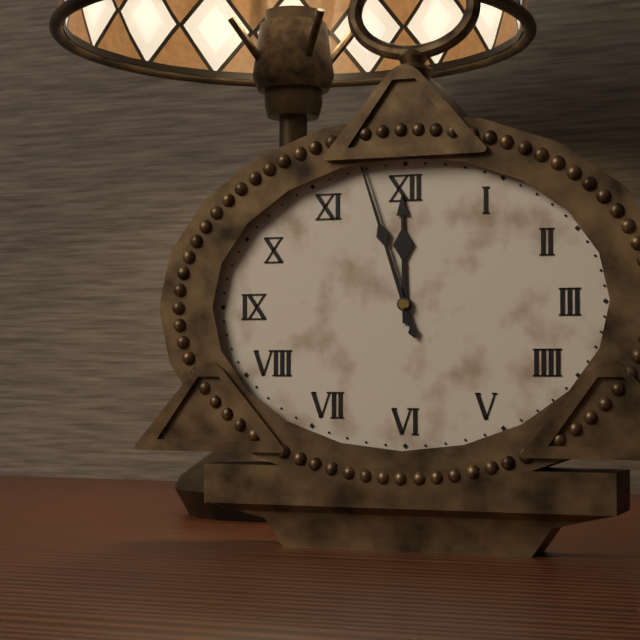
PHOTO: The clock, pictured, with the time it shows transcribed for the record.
11:57
